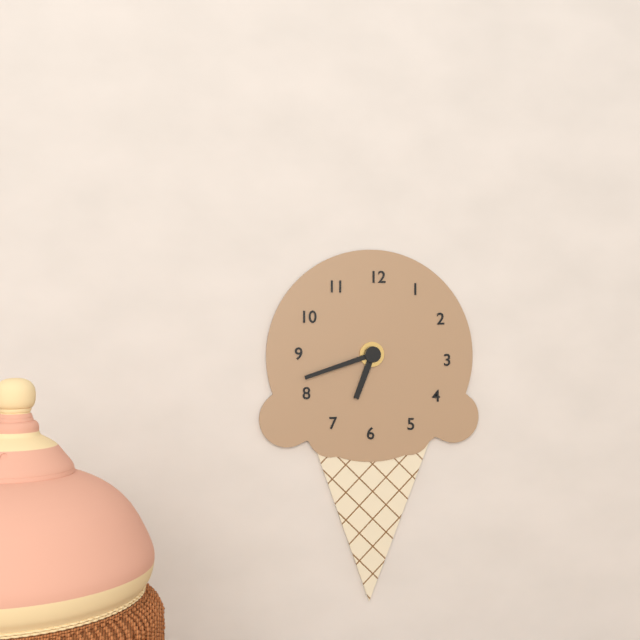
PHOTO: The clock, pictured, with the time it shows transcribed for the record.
6:42
